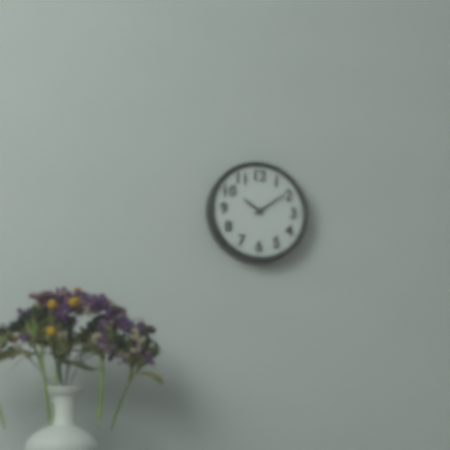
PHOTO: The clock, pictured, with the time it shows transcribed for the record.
10:09
